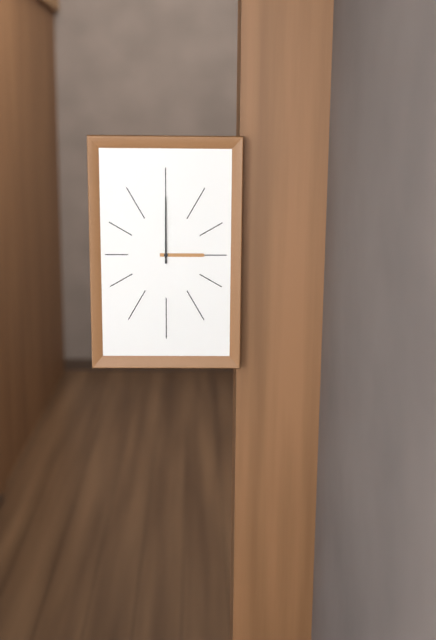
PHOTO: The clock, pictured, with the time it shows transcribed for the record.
3:00
